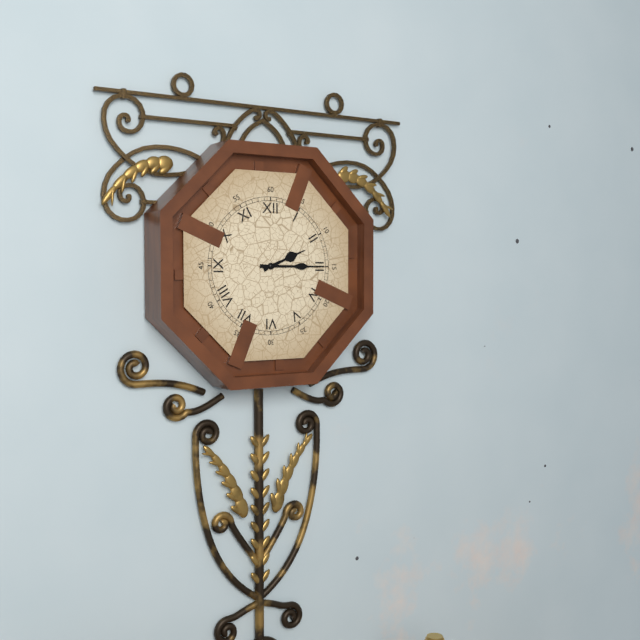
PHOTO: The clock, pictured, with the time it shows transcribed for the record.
2:15
